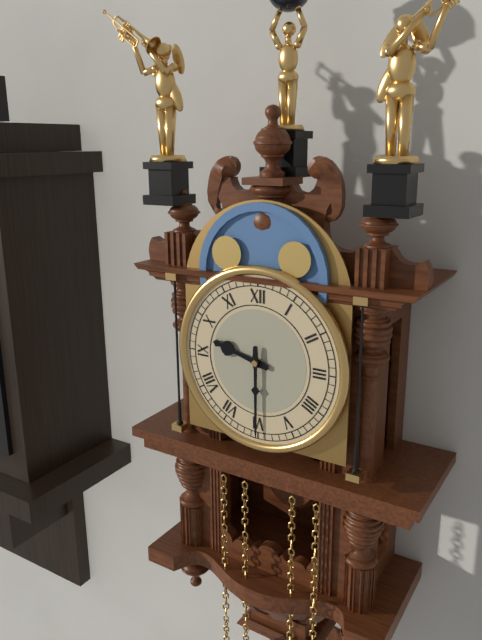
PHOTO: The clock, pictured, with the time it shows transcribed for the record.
9:30
